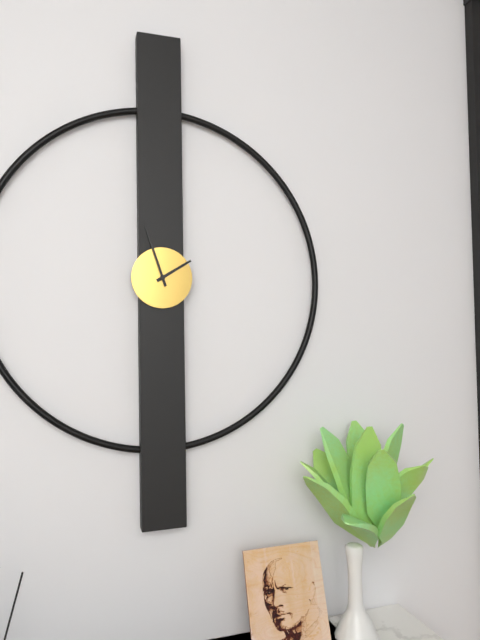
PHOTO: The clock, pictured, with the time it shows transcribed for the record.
1:57
